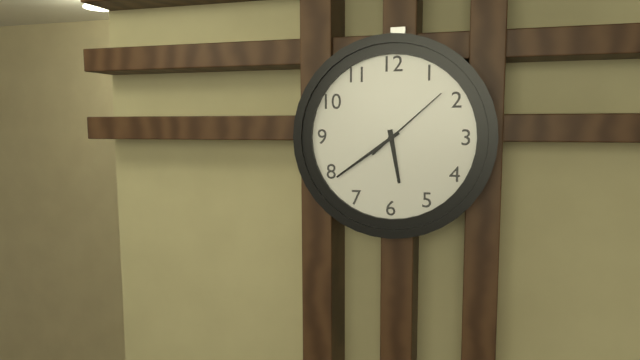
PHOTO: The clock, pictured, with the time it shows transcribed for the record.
5:39:08
